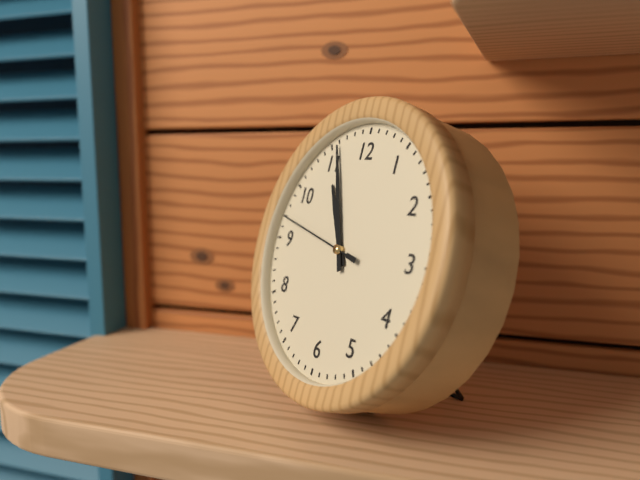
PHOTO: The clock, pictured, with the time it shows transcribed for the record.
10:56:47
